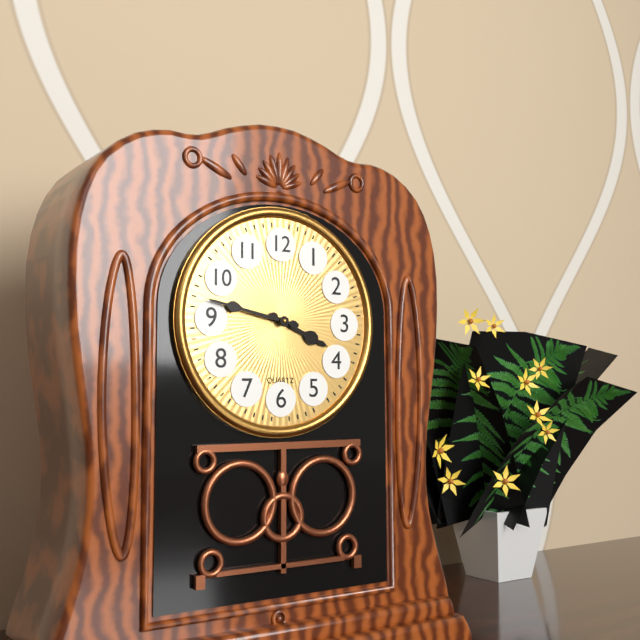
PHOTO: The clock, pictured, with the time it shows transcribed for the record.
3:47
